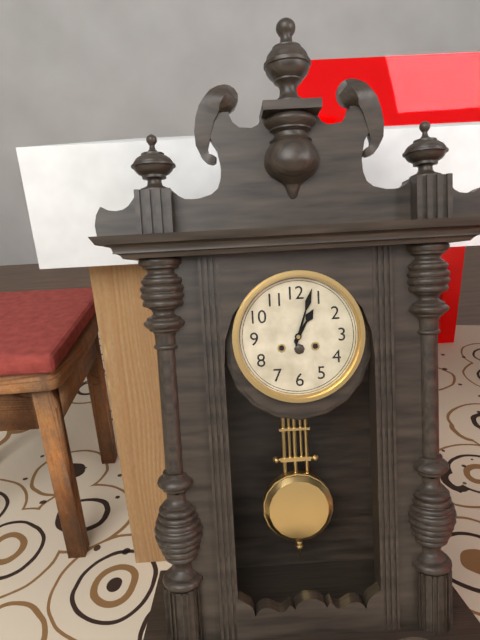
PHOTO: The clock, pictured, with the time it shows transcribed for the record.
1:03
